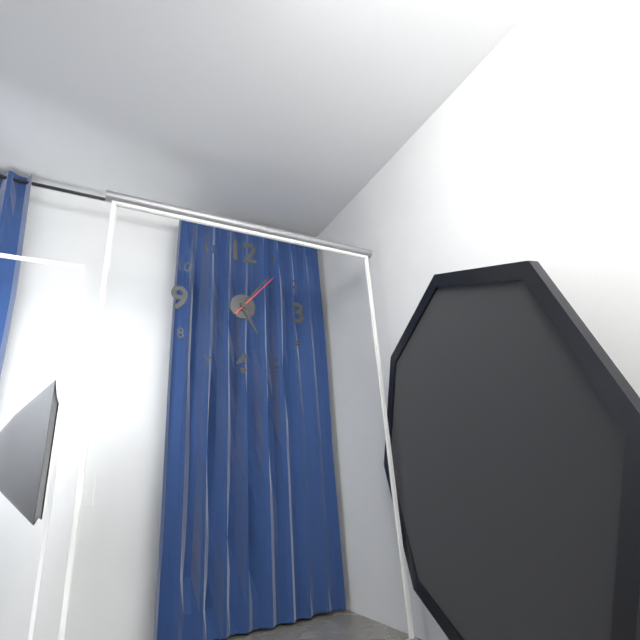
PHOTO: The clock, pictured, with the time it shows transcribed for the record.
5:06:07
